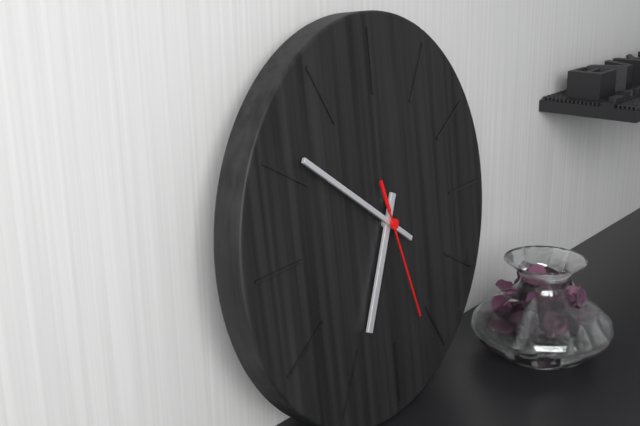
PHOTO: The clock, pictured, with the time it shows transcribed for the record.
6:51:27
